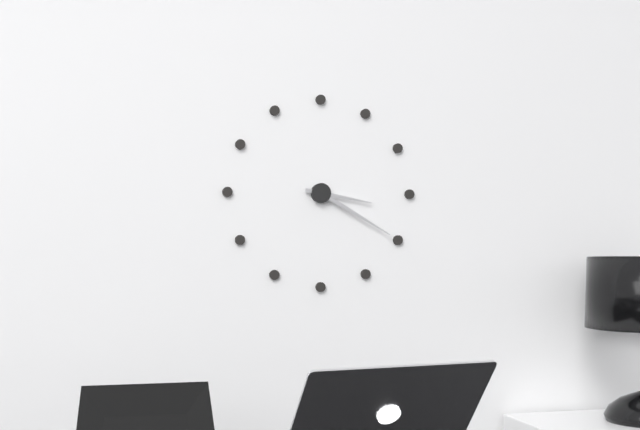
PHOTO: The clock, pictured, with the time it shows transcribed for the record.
3:20
